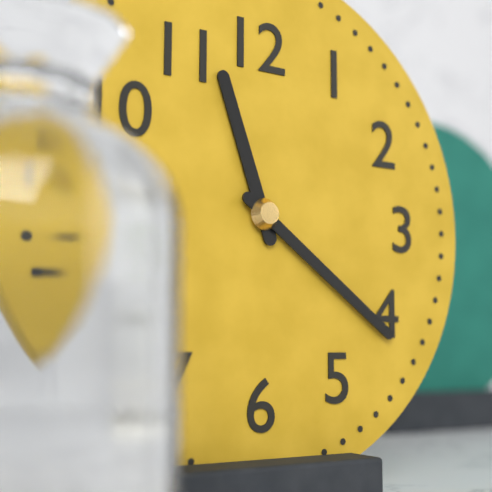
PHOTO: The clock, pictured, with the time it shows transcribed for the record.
11:21
